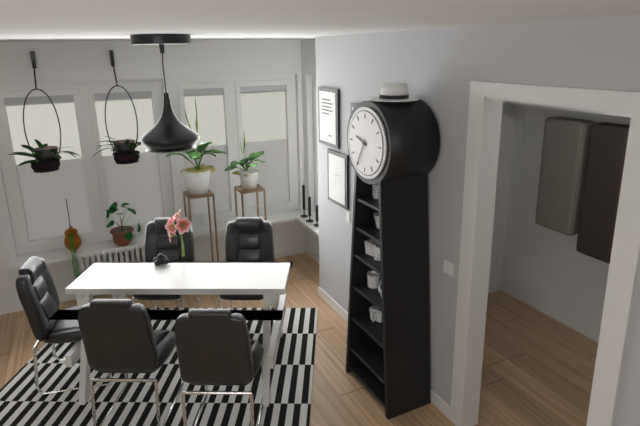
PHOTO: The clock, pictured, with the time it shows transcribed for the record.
9:35
